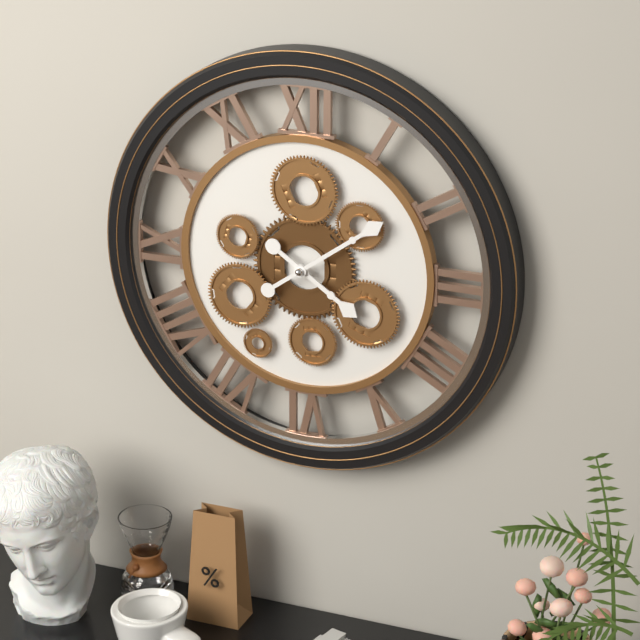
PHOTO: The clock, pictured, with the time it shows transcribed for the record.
4:09
